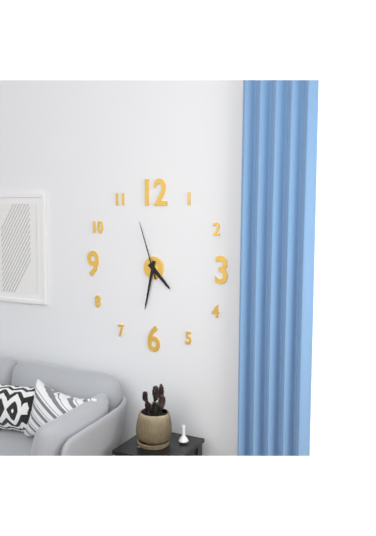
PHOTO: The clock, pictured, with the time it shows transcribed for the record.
4:32:57
